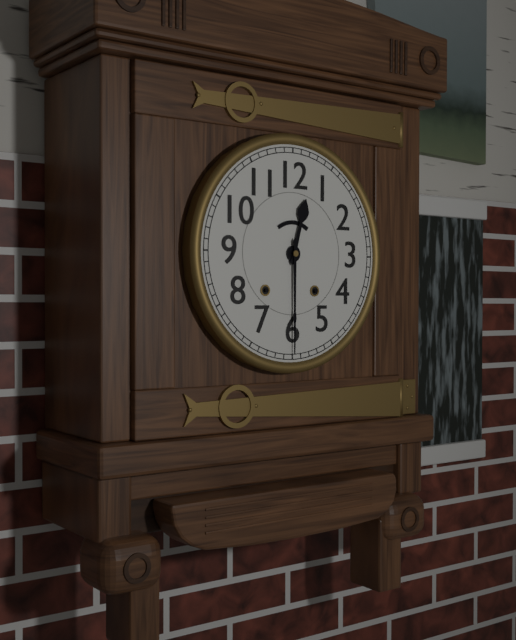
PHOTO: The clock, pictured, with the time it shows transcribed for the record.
12:30
